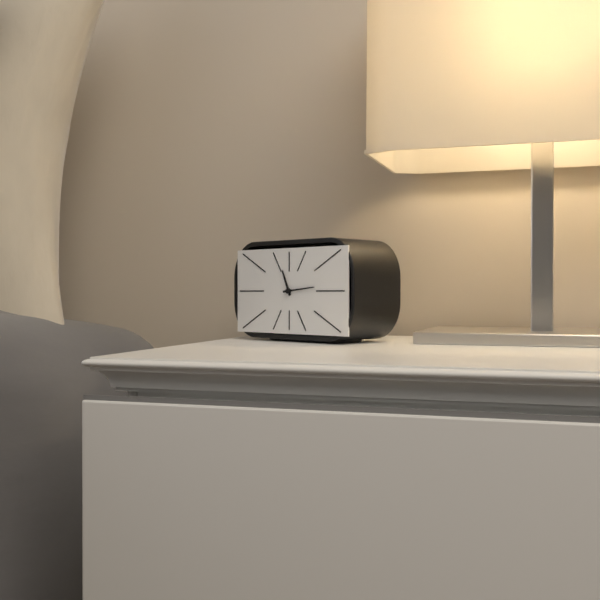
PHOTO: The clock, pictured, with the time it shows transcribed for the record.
11:14
